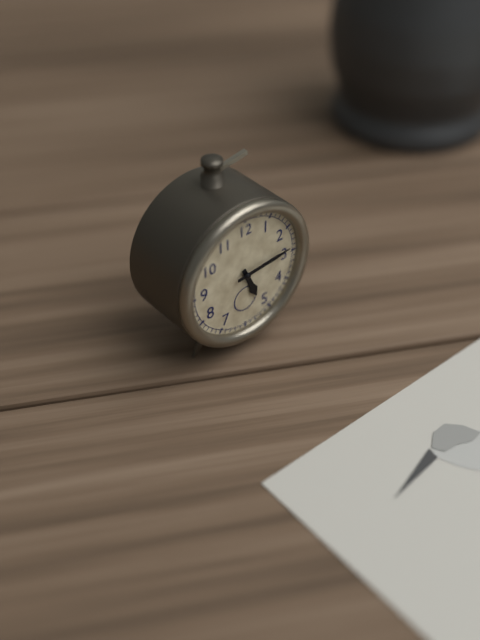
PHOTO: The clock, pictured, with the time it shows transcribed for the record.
5:14
